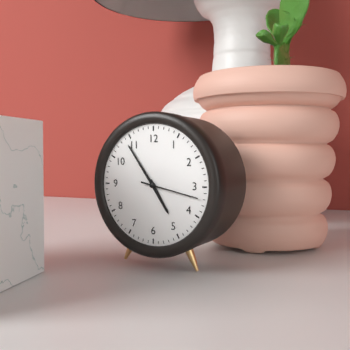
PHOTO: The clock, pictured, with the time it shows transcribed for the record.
4:54:17
